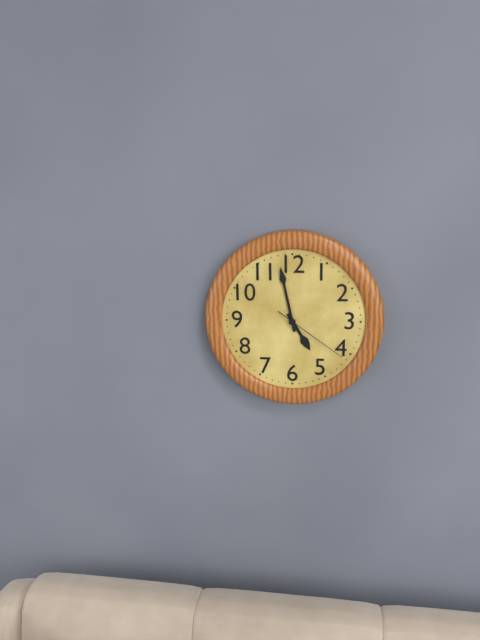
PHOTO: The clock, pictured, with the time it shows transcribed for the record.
4:58:21
